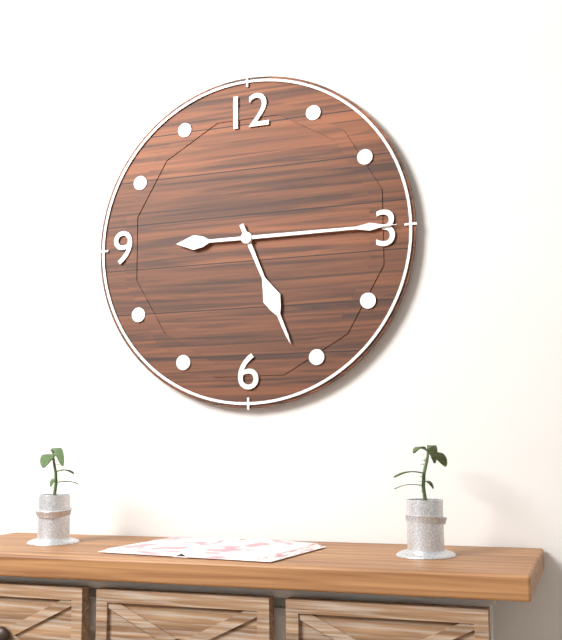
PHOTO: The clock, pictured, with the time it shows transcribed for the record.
5:15
